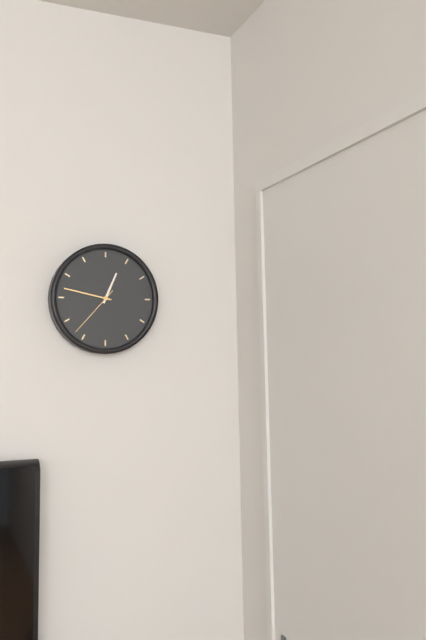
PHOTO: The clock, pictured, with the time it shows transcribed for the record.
12:47:37
